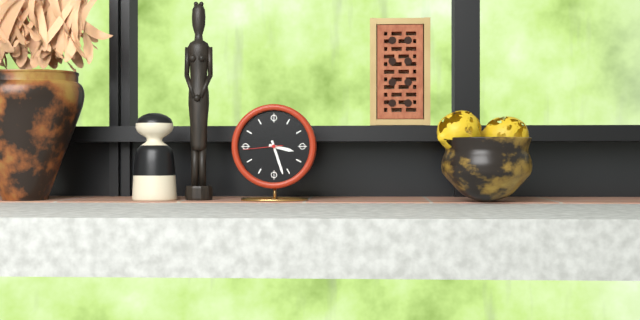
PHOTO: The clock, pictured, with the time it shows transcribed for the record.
3:27
